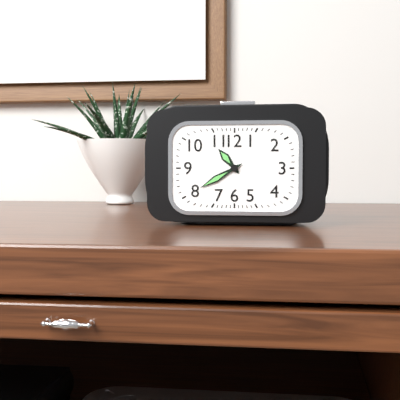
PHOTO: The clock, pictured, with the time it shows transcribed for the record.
10:40
